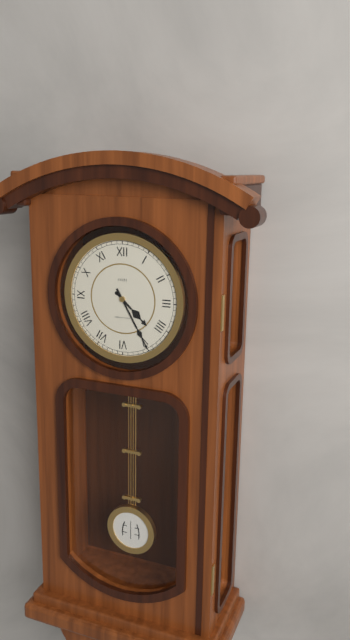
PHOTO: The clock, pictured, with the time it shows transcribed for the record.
4:25
